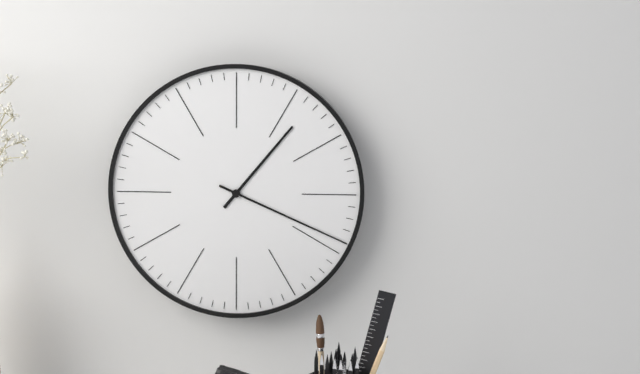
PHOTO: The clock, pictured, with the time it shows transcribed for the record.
1:19
